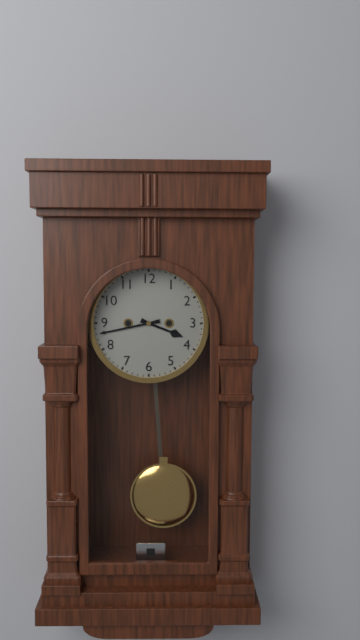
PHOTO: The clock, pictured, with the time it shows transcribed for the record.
3:43
